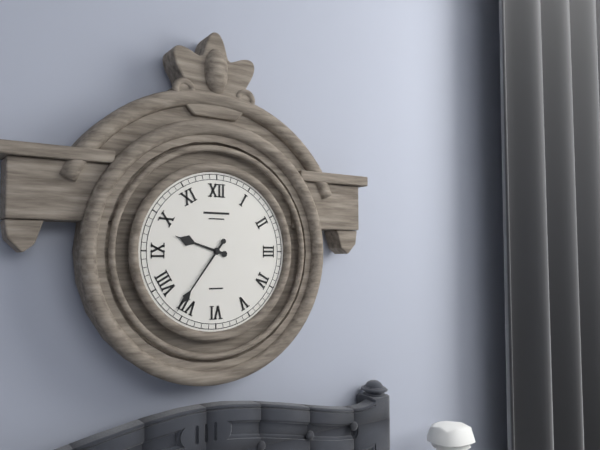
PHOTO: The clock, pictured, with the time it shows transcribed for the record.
9:36
